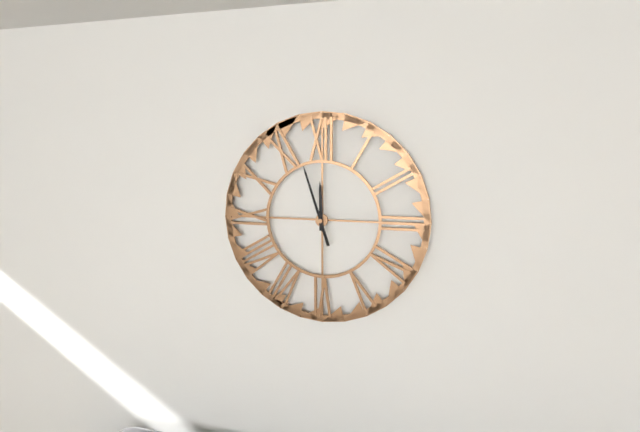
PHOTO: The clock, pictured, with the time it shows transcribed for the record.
11:57
